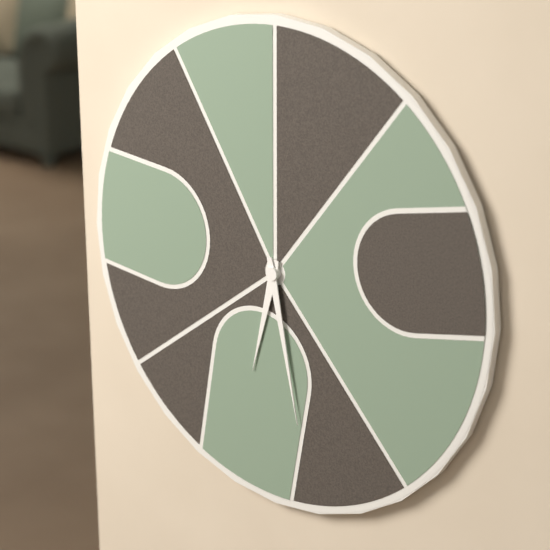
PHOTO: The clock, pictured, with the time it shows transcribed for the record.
6:28
